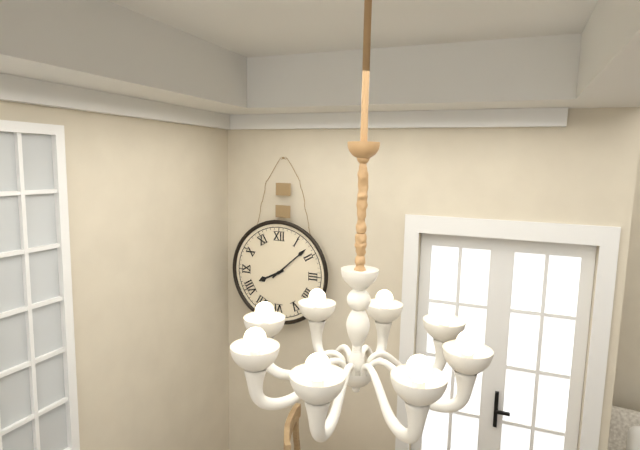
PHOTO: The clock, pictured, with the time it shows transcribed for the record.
8:08
